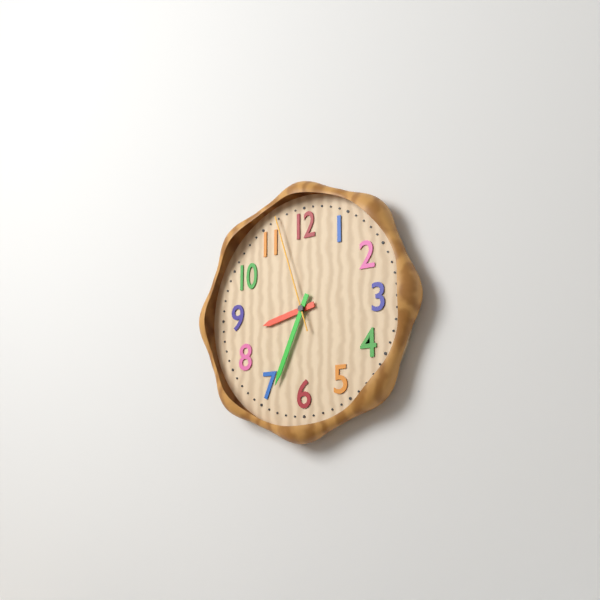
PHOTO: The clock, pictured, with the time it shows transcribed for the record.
8:34:57
